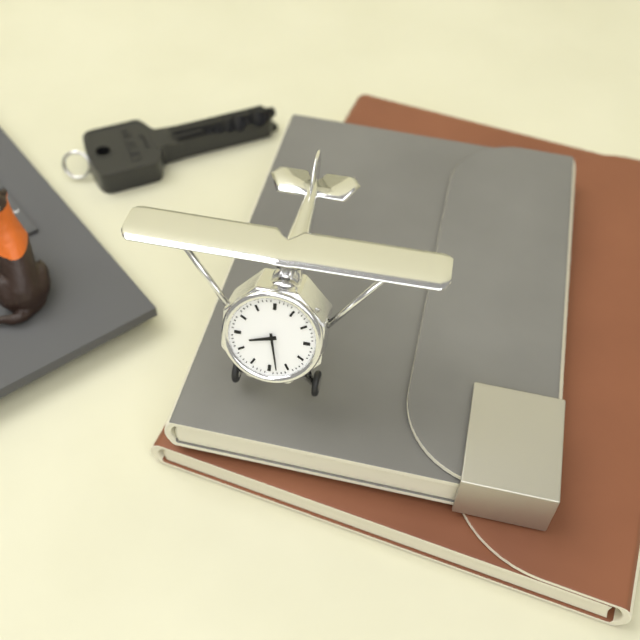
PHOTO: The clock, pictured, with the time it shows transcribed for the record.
8:28
